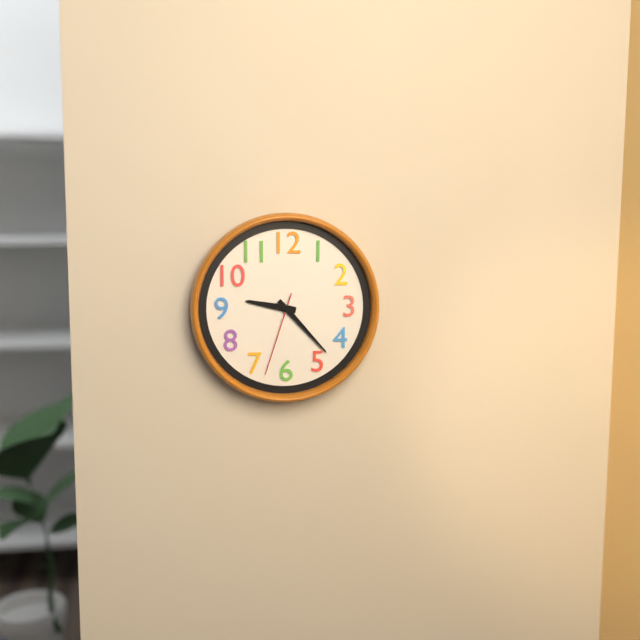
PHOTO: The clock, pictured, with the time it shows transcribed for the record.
9:23:33
